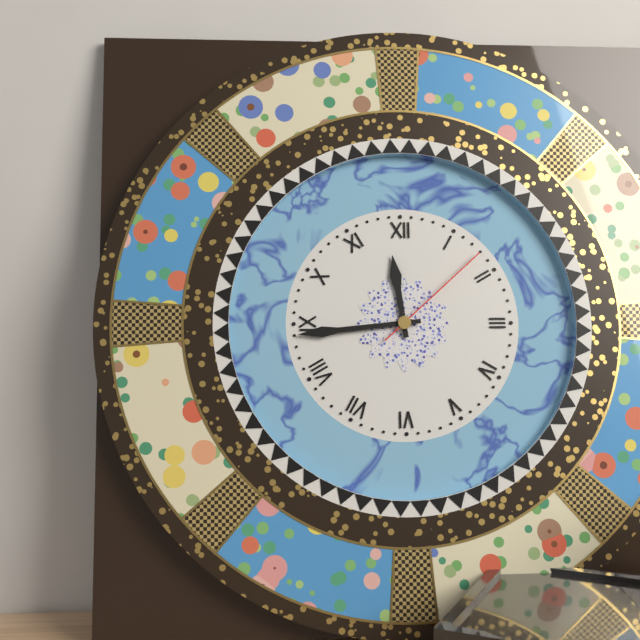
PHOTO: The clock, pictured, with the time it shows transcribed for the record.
11:44:08
